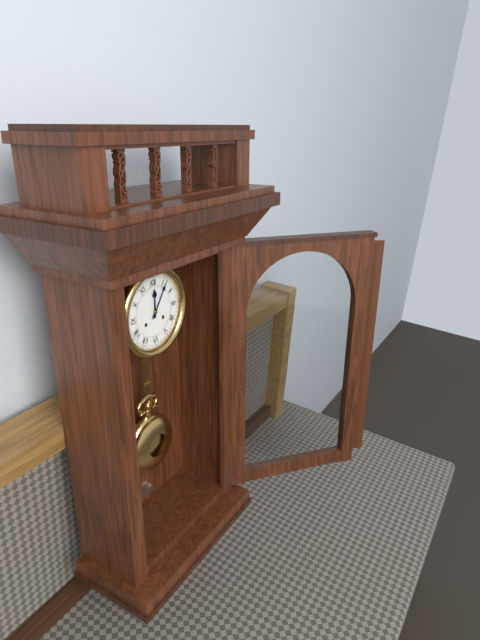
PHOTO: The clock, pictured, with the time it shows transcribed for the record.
12:06
